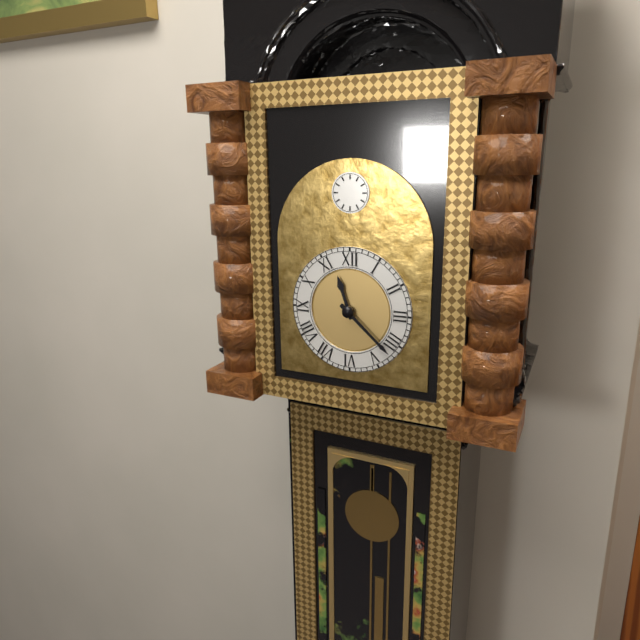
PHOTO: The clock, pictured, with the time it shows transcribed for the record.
11:22
